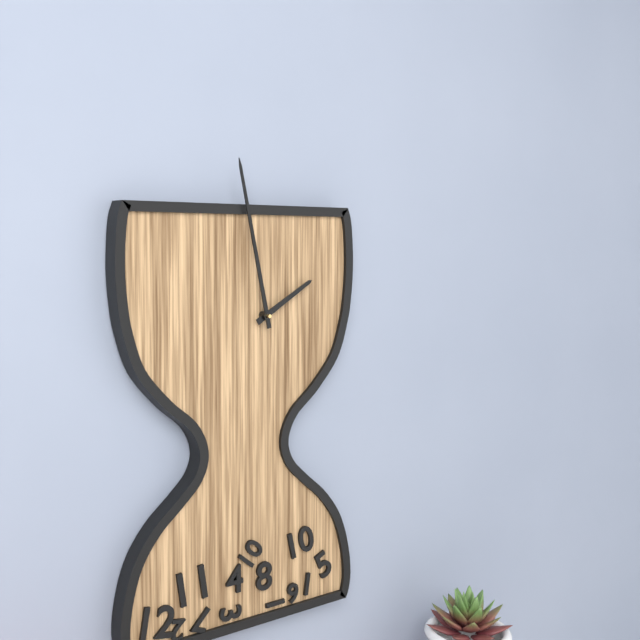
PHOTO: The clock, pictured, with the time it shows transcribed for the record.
1:58
